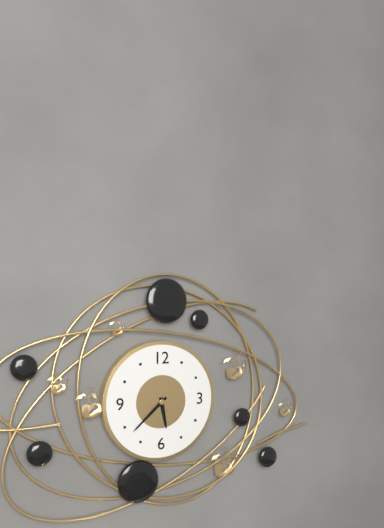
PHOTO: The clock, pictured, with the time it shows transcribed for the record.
5:38
